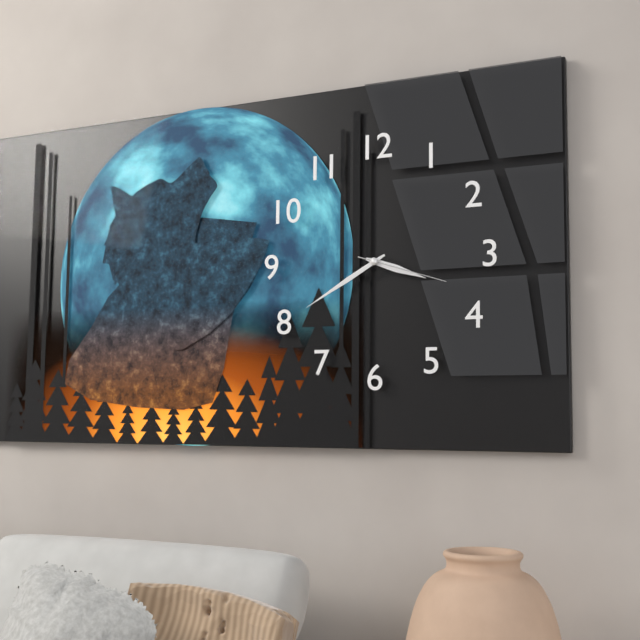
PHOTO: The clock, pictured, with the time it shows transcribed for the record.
3:40:18
